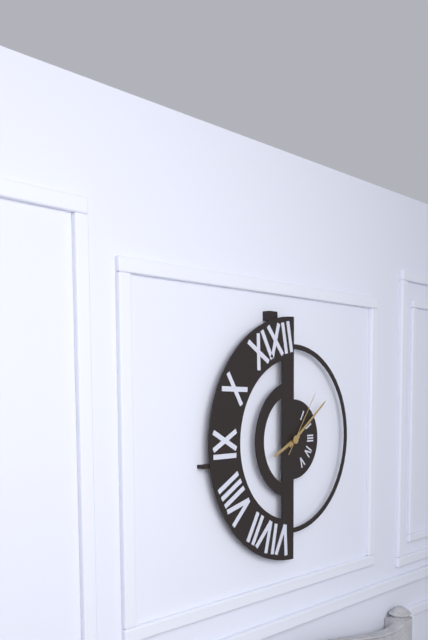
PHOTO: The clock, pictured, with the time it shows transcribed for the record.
8:09:06
